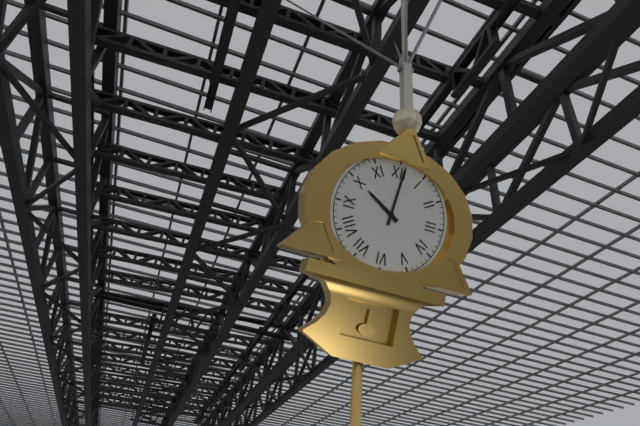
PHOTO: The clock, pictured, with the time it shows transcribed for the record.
10:01
